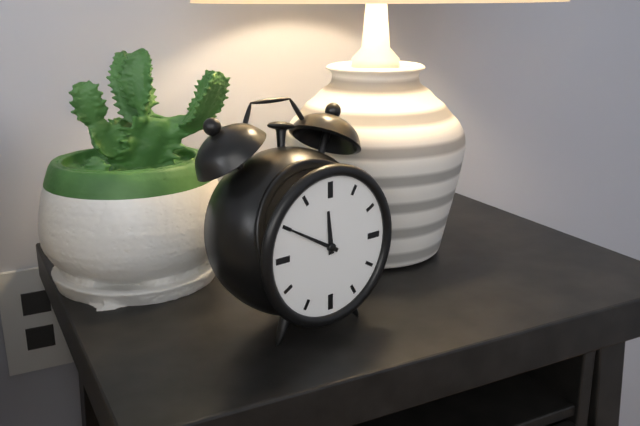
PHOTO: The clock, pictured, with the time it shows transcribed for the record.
11:50
